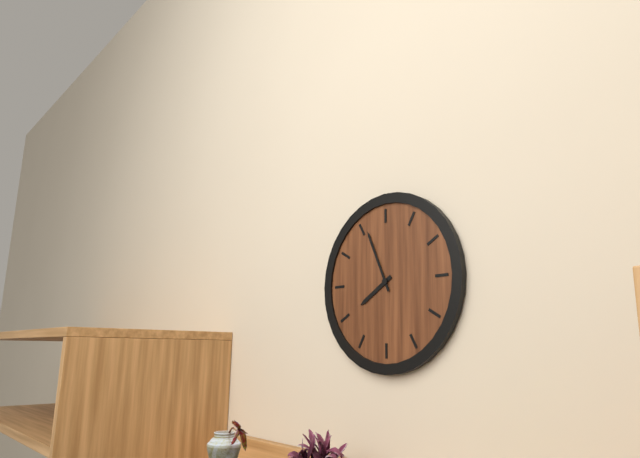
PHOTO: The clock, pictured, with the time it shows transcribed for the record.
7:56
